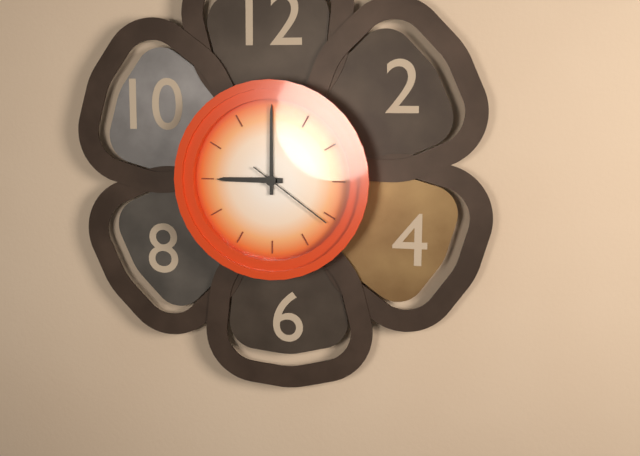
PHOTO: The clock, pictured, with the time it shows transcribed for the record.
9:00:21
